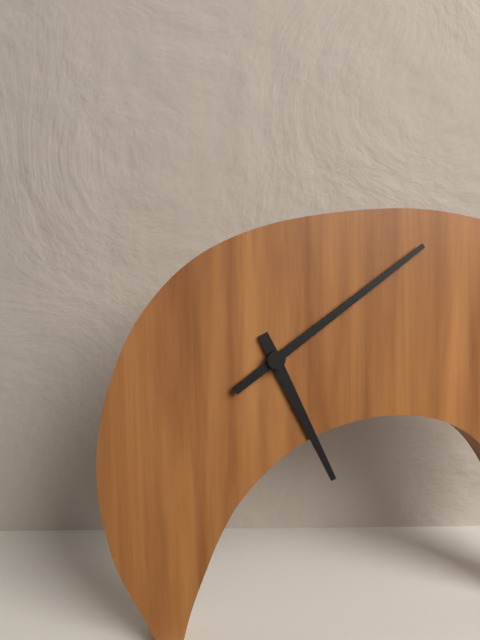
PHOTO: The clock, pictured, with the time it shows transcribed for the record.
5:09
